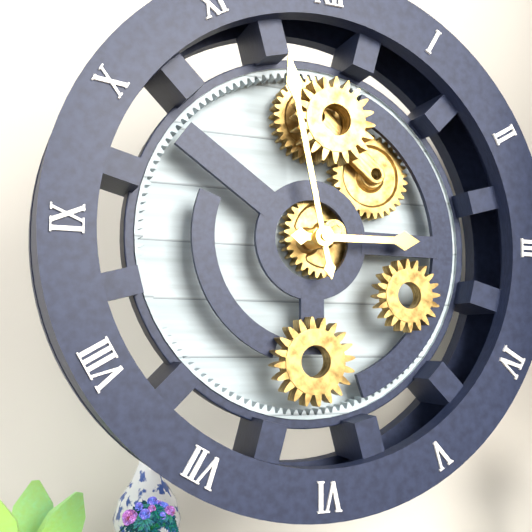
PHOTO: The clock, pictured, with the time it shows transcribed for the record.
2:58
